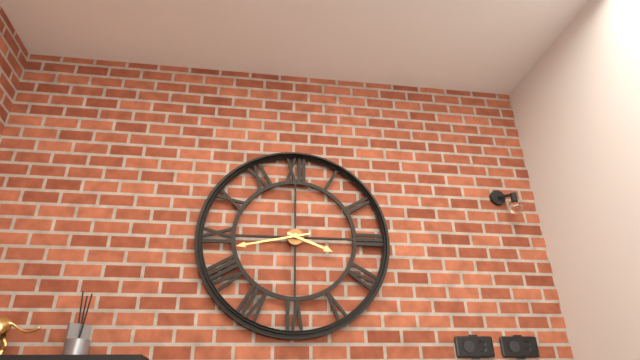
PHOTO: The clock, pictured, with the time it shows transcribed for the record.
3:43
